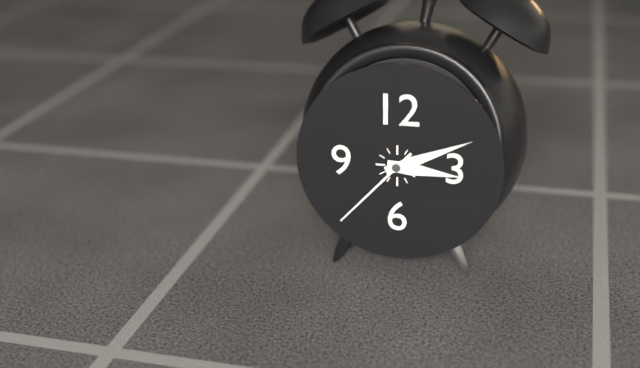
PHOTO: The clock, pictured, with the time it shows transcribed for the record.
3:11:37
